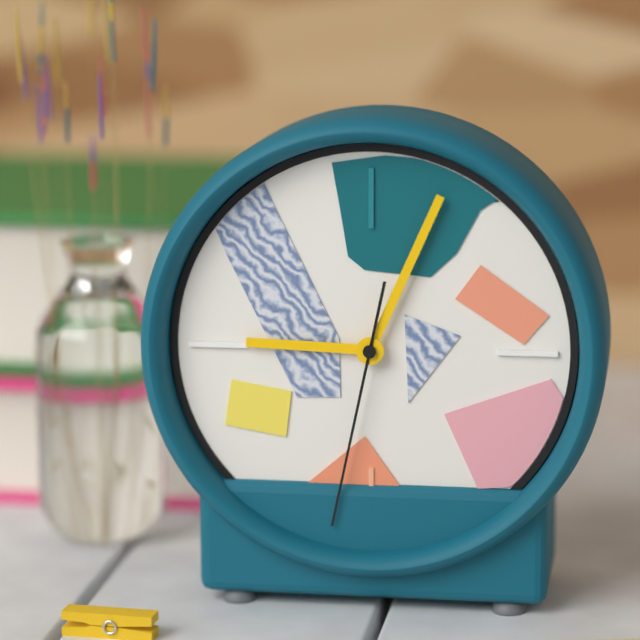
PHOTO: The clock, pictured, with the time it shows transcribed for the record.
9:04:32
